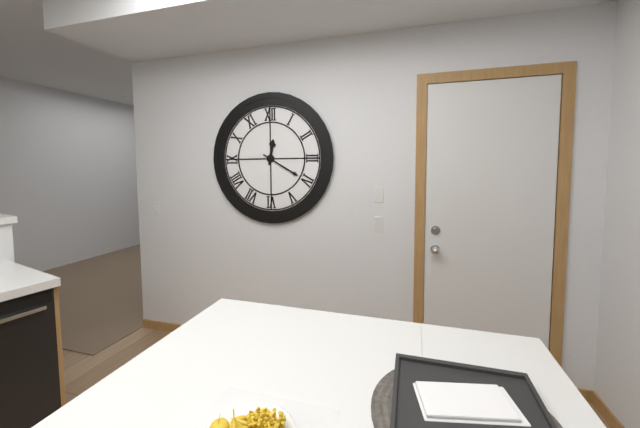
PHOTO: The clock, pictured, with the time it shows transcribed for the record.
12:20
